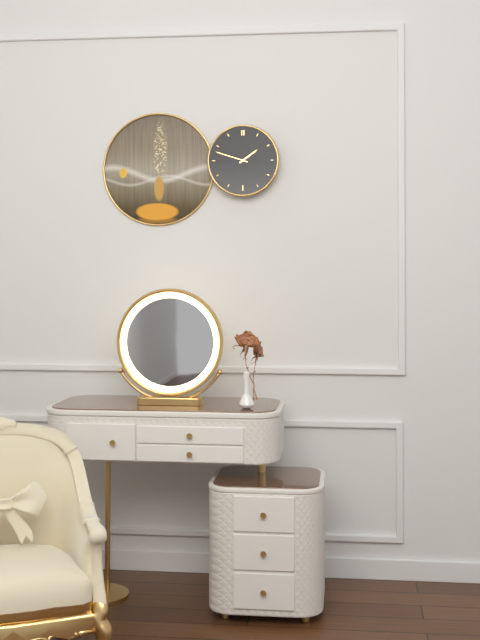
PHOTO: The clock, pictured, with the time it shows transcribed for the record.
1:48
